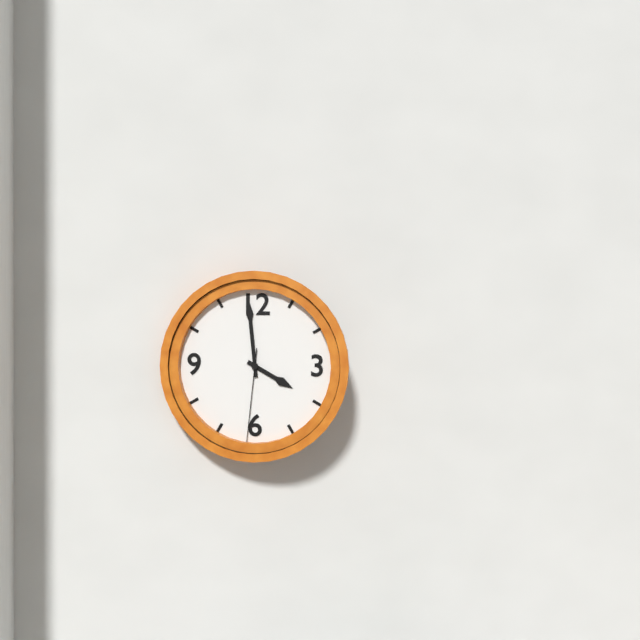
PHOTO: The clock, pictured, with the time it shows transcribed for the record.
3:59:31
